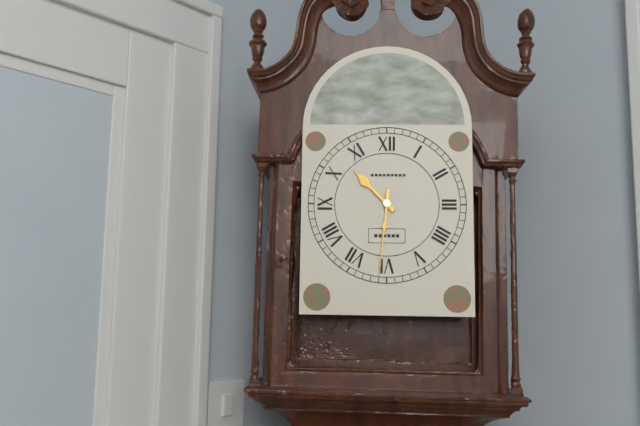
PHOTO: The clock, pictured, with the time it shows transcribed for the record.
10:31
